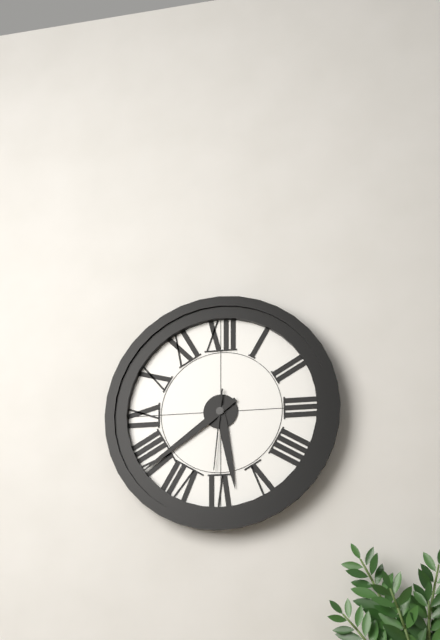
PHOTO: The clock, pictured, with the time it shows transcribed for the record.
5:39:31
